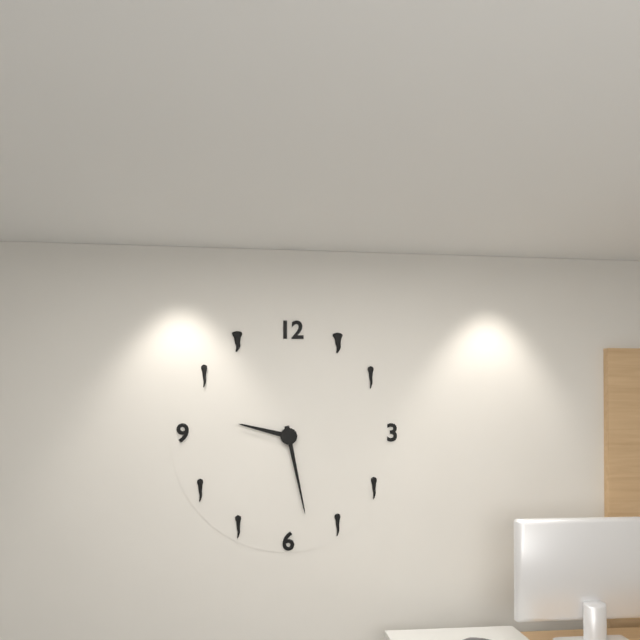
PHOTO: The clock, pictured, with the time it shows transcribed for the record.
9:28
